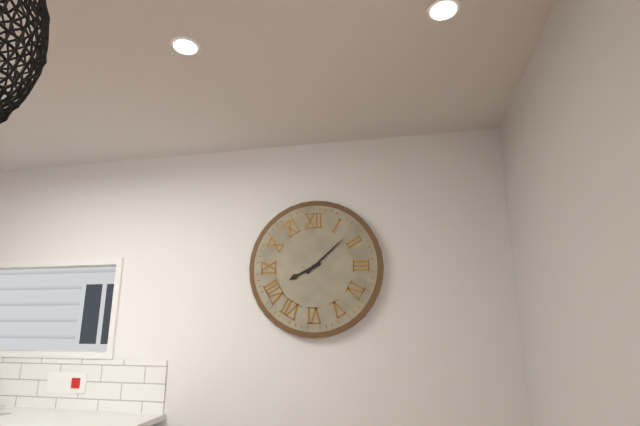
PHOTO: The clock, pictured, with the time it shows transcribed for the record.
8:08
